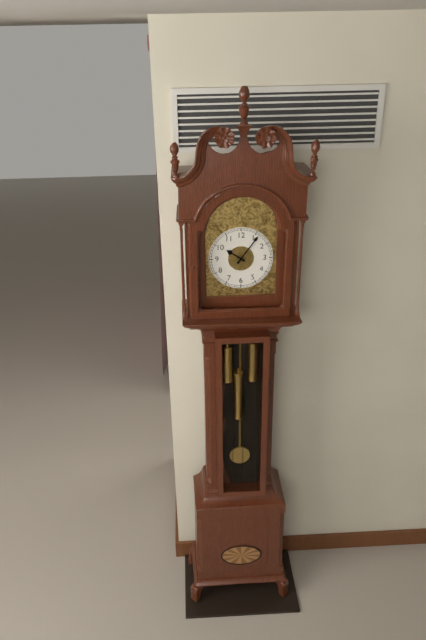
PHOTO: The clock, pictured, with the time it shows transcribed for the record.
10:06
